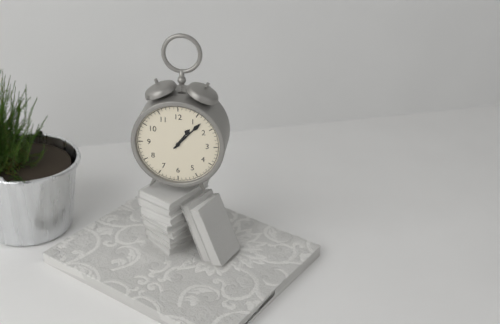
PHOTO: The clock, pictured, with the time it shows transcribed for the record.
1:07
